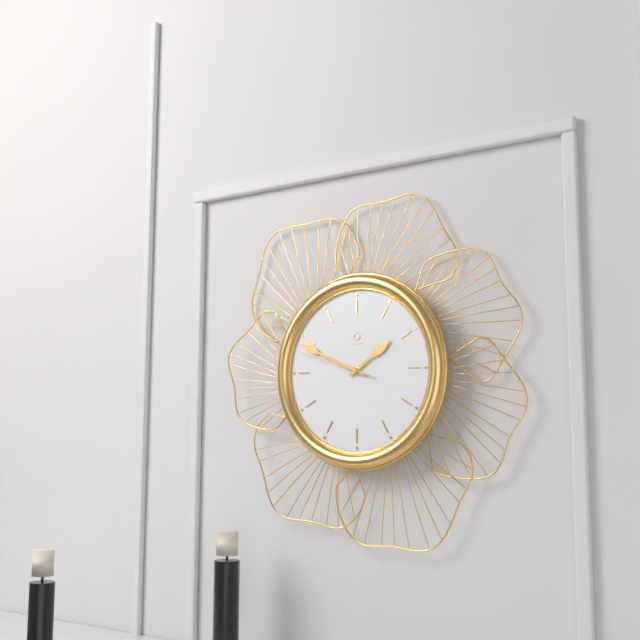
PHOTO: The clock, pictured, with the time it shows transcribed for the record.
1:49:48
